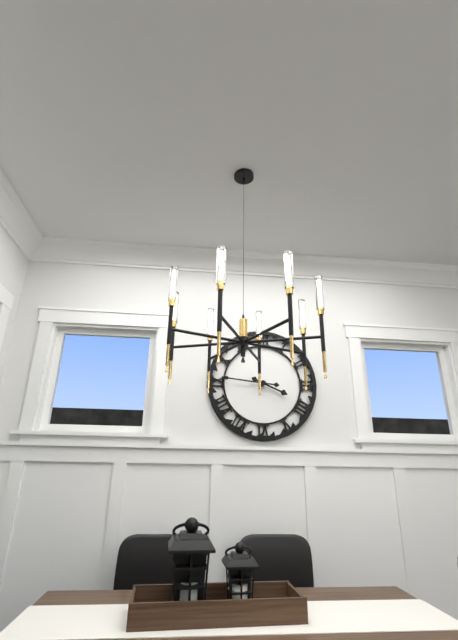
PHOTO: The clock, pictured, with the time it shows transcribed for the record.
3:46
